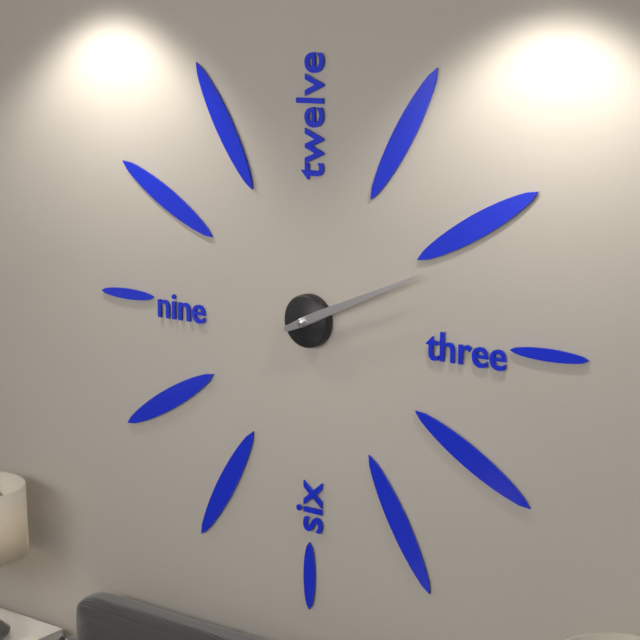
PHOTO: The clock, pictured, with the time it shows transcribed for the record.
2:11
